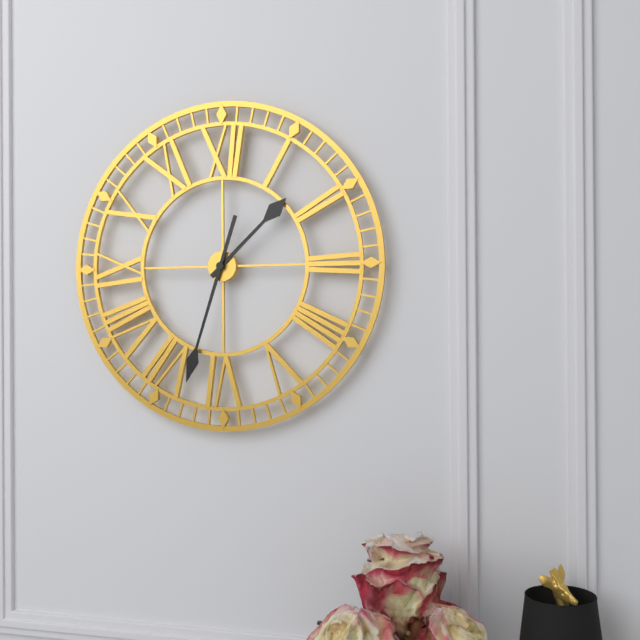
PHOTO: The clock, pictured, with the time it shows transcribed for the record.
1:33
